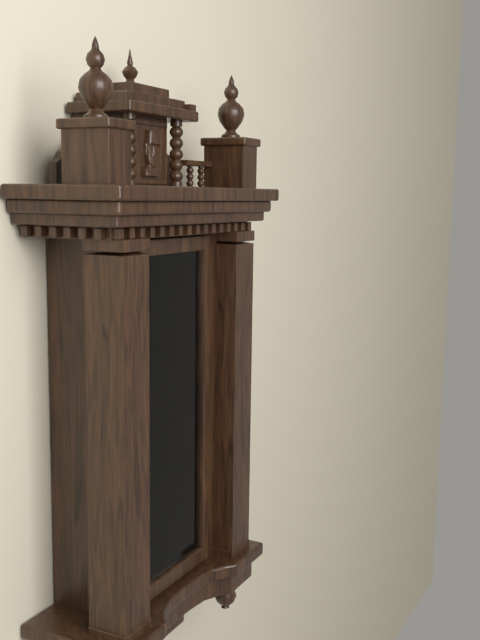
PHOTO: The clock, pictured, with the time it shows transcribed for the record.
7:00
